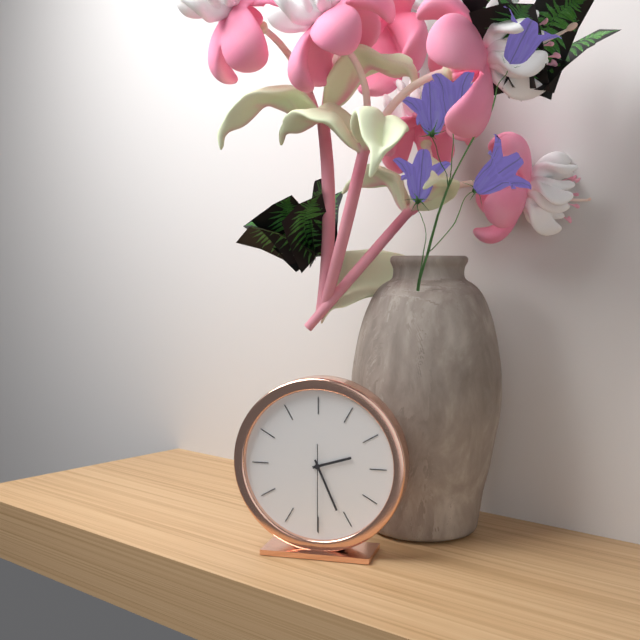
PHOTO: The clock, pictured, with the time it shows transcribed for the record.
2:26:30
